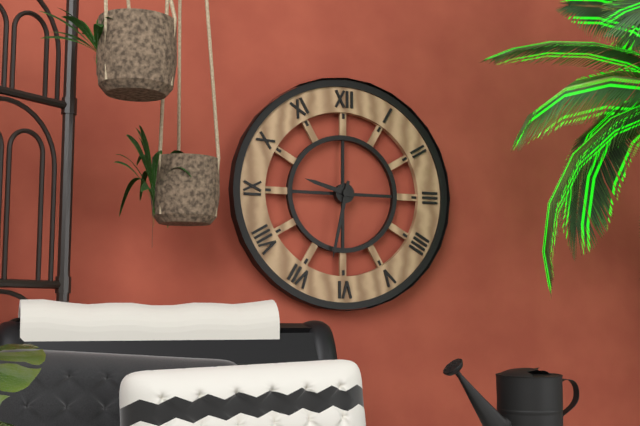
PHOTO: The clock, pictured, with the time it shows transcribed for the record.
9:32
